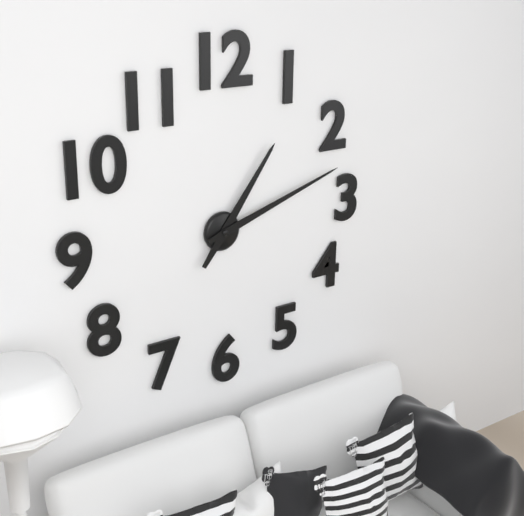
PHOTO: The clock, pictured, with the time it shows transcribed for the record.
1:12
